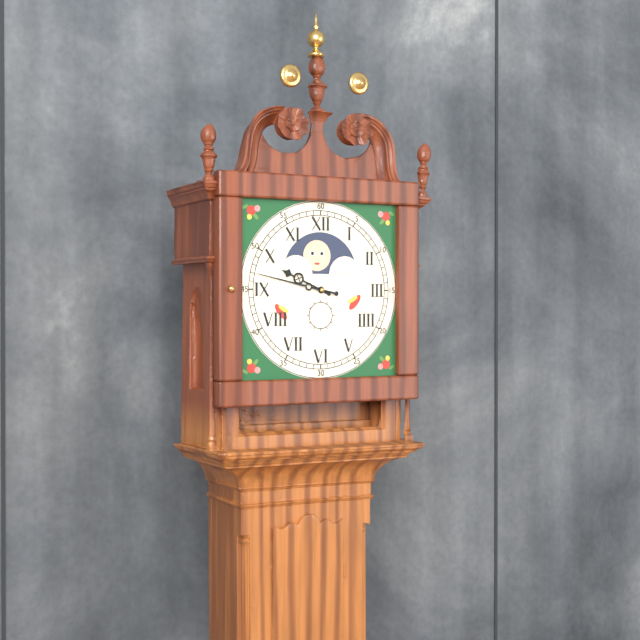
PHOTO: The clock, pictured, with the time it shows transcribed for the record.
9:47
